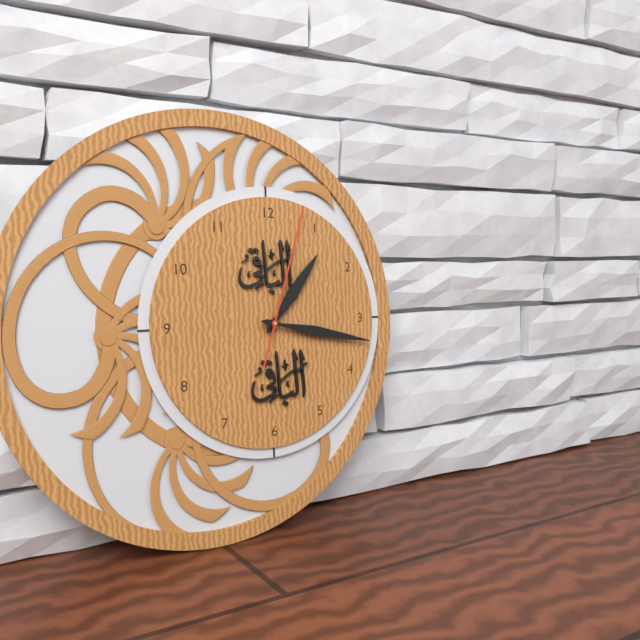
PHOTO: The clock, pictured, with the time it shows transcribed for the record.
1:17:03
